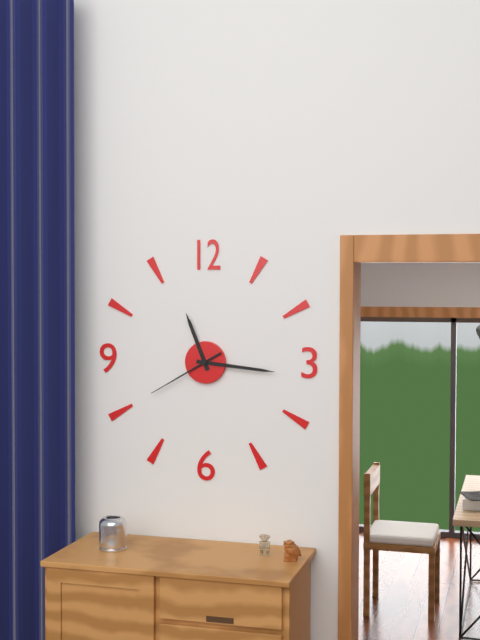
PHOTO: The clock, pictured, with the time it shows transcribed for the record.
11:16:40
